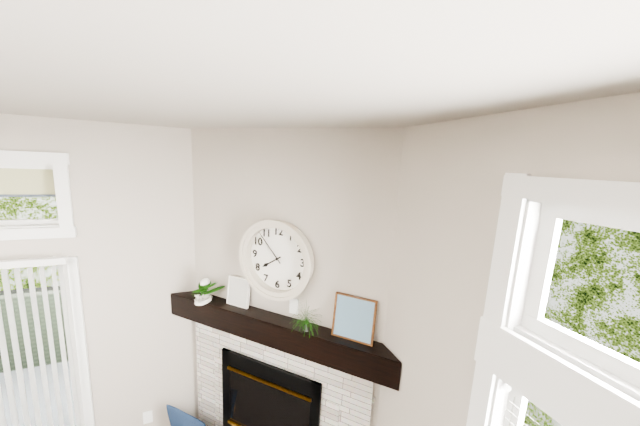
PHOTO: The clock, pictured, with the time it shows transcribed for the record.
7:53
